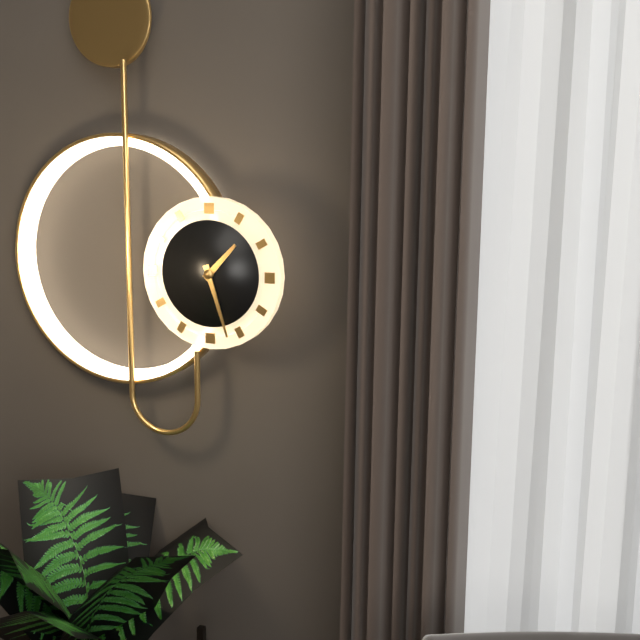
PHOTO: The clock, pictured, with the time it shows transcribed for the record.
1:27
